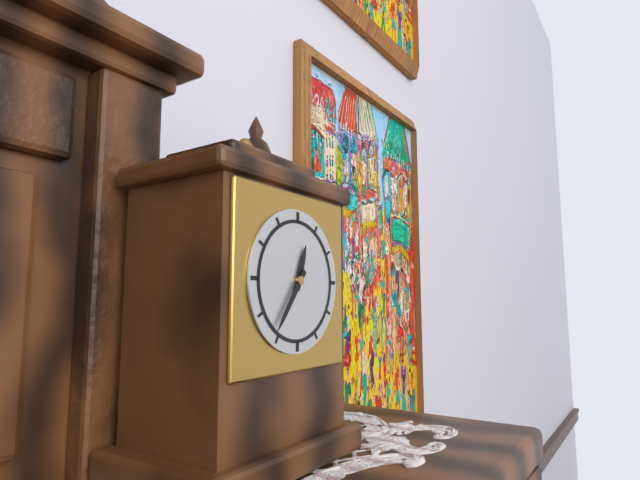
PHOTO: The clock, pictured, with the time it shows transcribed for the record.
12:36
